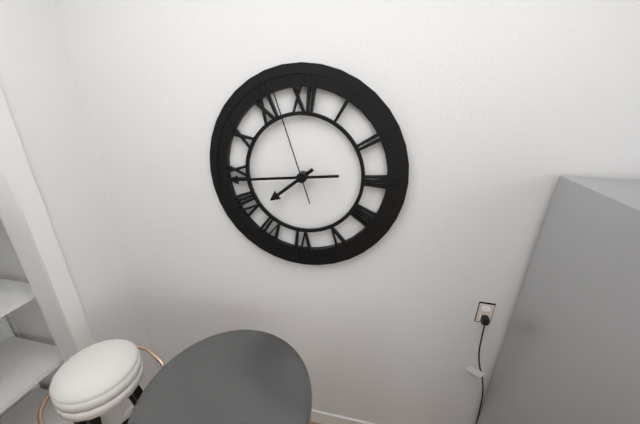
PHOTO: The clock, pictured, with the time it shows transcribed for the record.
7:44:57
